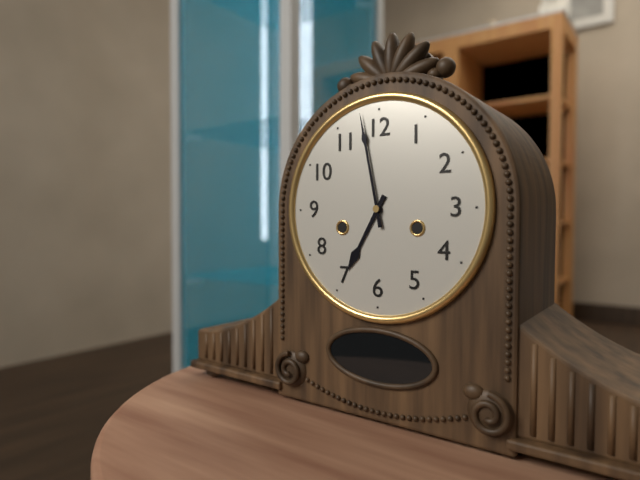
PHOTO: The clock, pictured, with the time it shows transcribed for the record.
6:58
